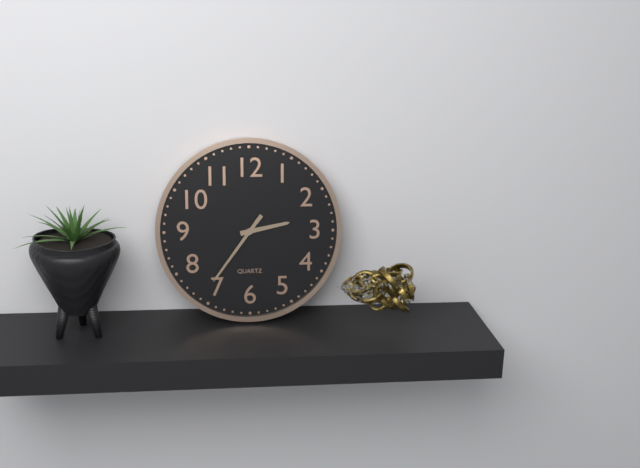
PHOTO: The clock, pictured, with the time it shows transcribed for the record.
2:36:36
